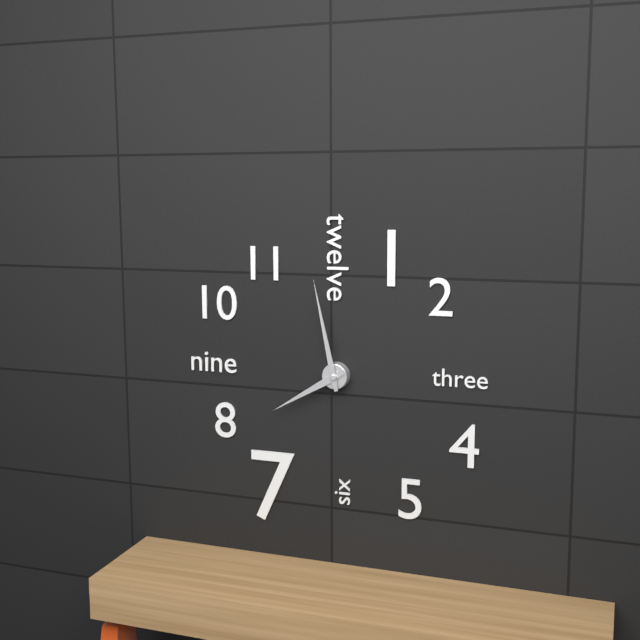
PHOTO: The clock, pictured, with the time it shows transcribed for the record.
7:58
